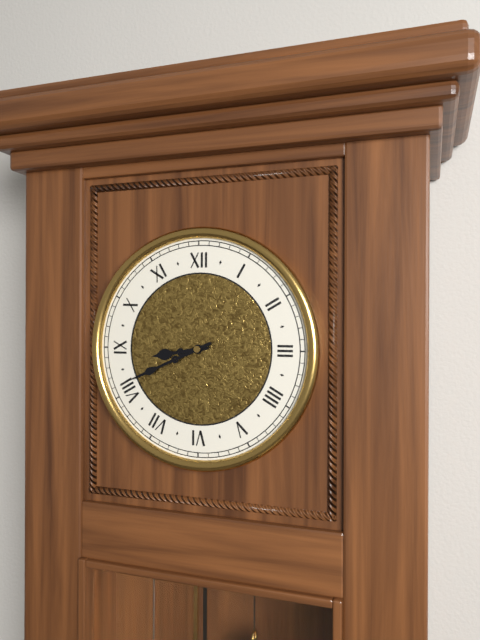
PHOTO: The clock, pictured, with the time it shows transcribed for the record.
8:41
